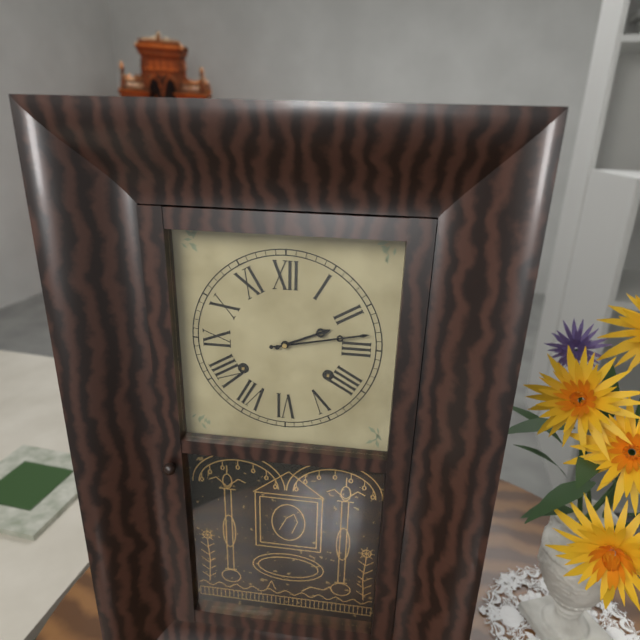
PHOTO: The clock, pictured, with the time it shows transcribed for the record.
2:13
